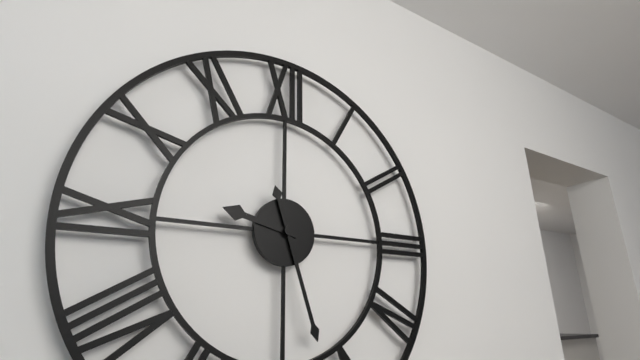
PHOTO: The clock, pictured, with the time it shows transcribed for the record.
9:27
